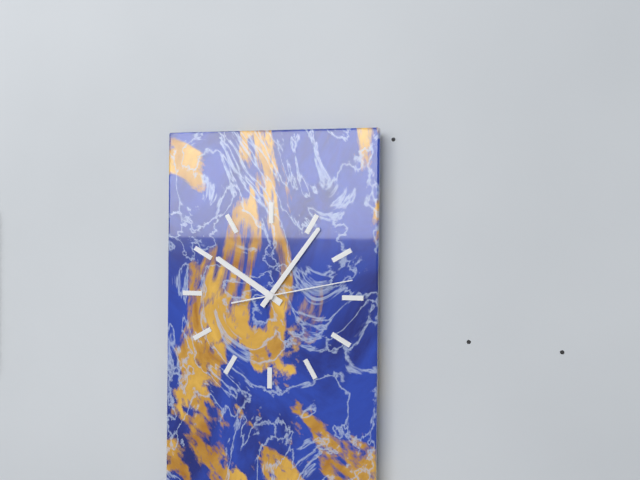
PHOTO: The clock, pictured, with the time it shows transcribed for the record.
10:06:13
